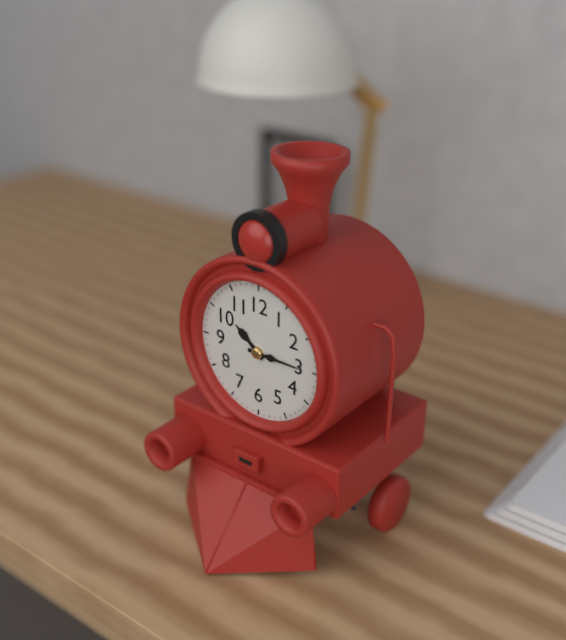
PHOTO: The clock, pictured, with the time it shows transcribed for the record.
10:15
